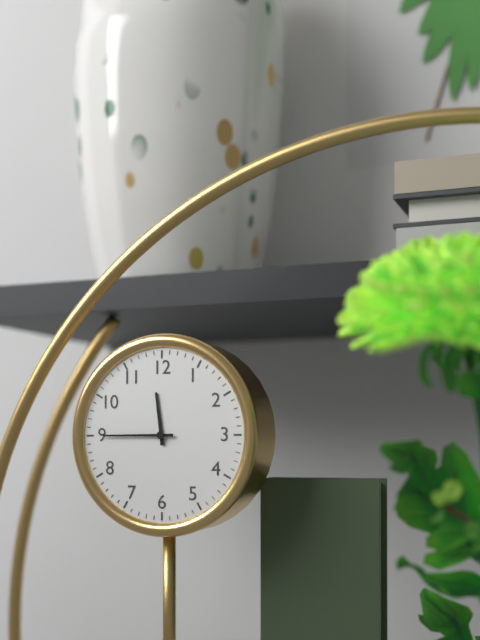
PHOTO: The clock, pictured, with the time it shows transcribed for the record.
11:45
